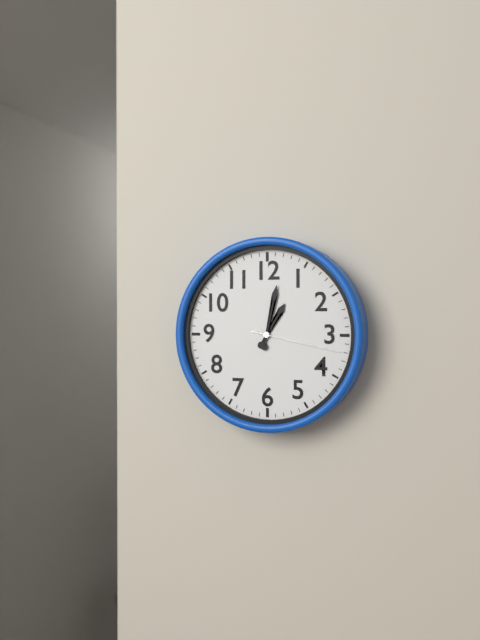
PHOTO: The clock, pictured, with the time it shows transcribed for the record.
1:02:17
